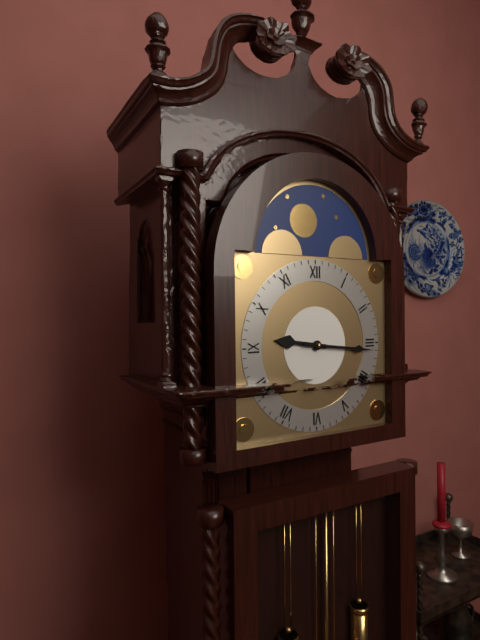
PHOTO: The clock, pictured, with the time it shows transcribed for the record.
9:16
